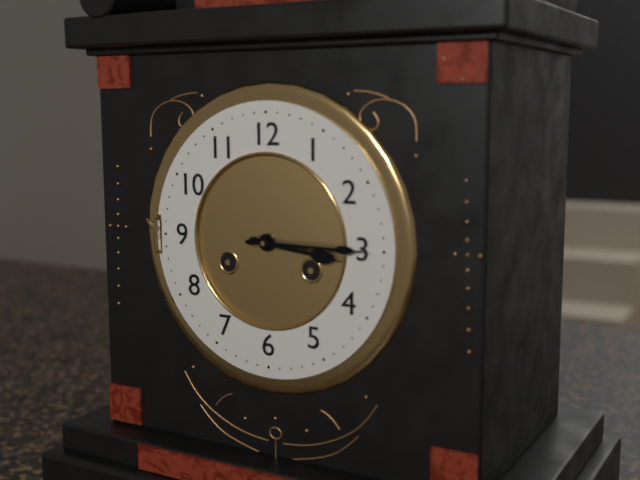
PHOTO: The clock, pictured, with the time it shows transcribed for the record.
3:15
